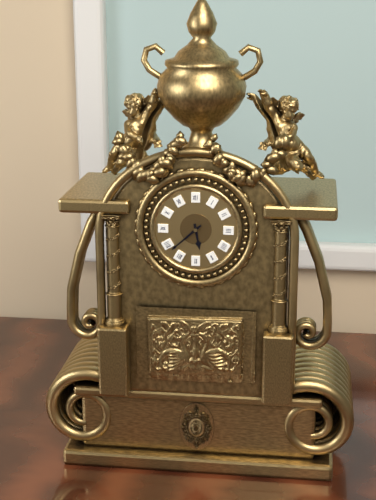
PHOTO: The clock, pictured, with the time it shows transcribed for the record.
5:38
